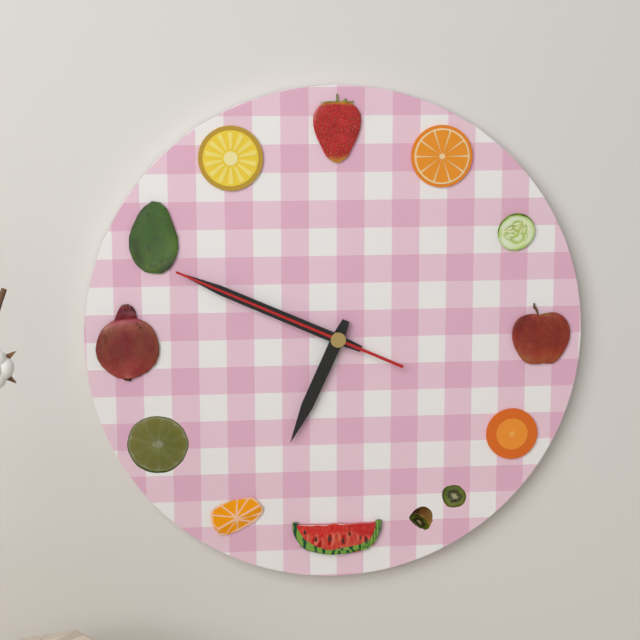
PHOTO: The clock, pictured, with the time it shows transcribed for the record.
6:49:49
